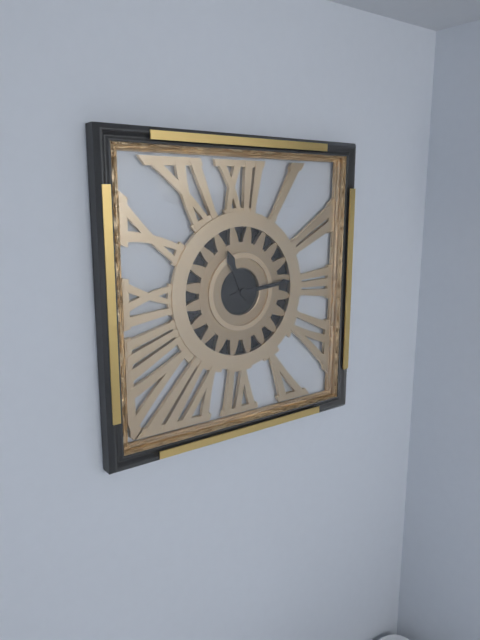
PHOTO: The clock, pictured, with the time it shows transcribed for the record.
11:14
